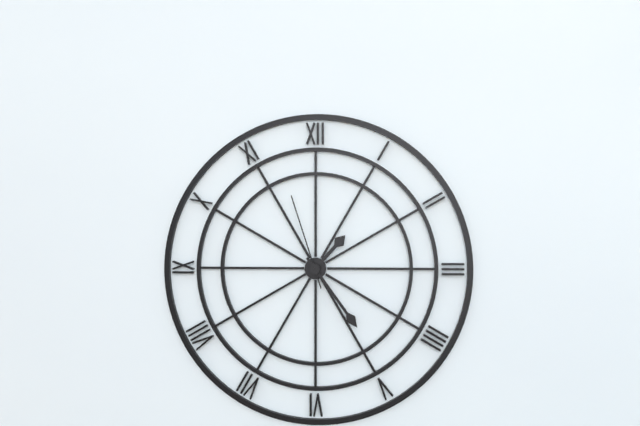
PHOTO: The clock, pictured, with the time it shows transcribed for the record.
1:24:57
